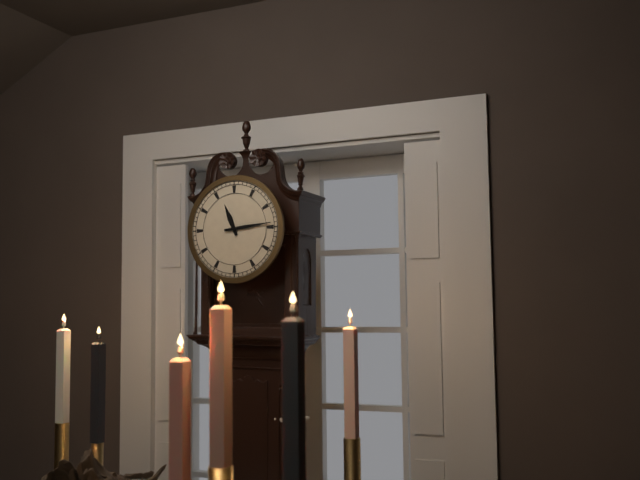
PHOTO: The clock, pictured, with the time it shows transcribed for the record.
11:14
